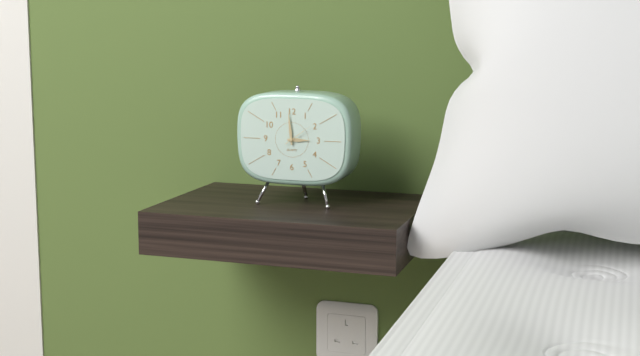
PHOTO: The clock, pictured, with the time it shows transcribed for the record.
2:59
